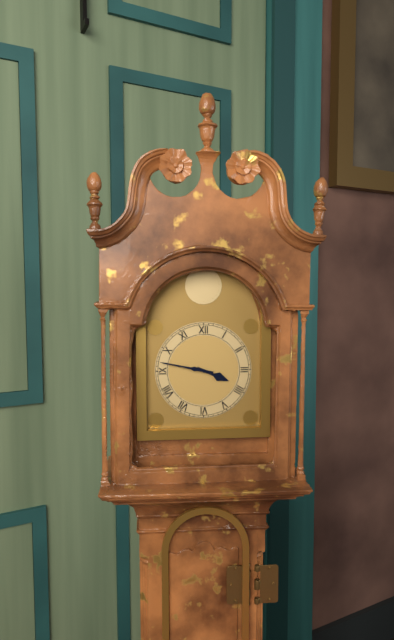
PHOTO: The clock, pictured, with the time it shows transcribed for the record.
3:47
